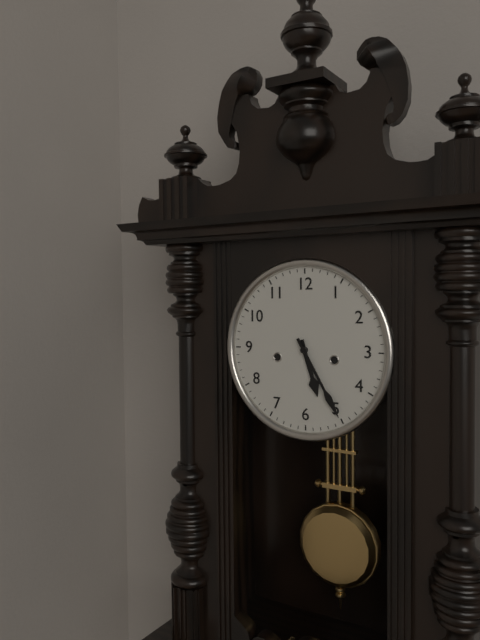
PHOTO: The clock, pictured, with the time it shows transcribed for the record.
5:25
